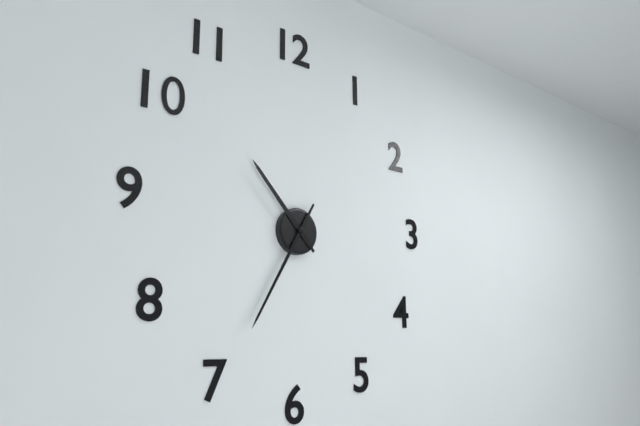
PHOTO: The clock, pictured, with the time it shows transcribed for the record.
10:35
